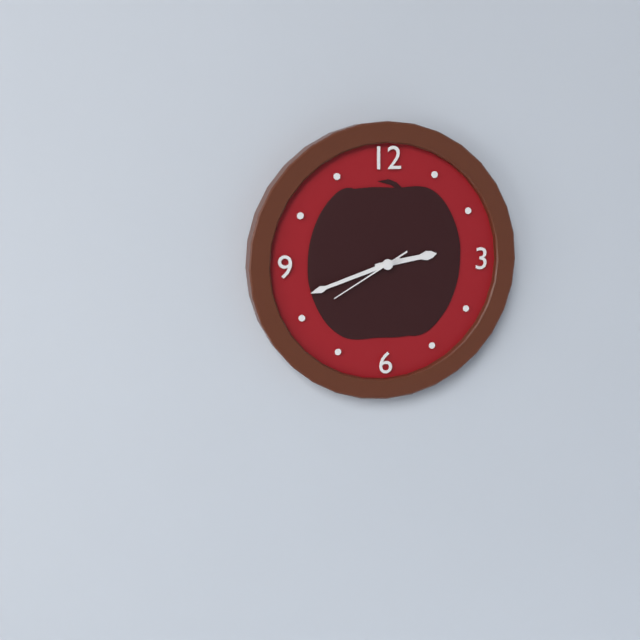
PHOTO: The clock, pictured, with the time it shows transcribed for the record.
2:42:40
